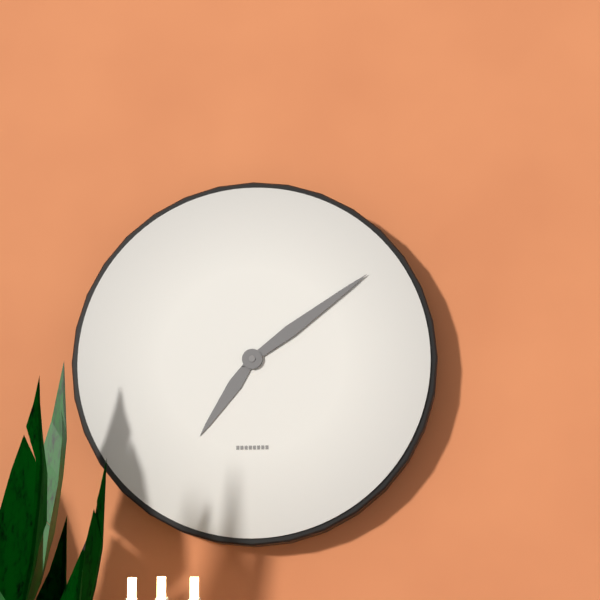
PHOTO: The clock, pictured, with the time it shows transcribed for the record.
7:09
